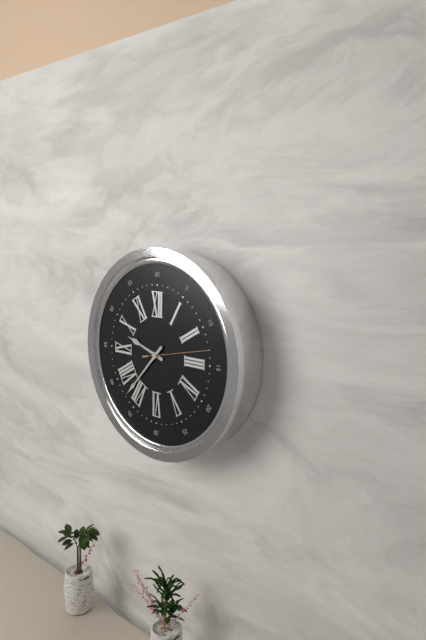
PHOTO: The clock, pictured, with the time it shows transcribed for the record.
9:37:13
